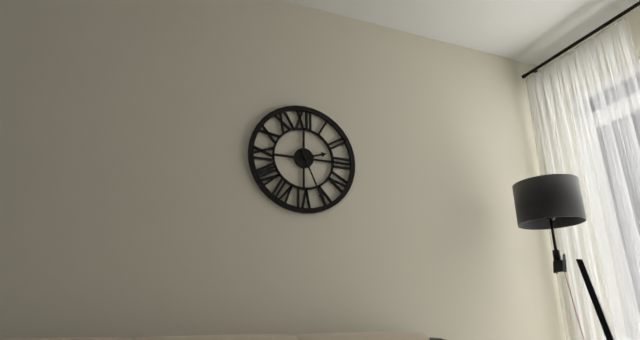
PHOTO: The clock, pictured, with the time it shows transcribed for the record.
2:26
